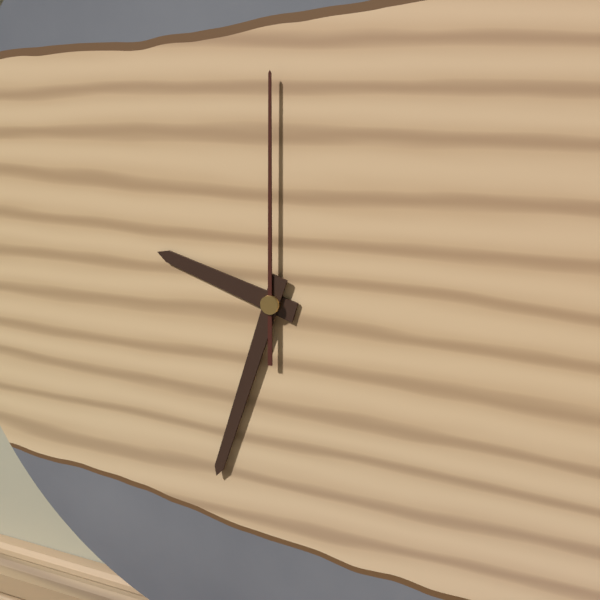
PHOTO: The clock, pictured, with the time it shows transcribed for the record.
9:33:00
